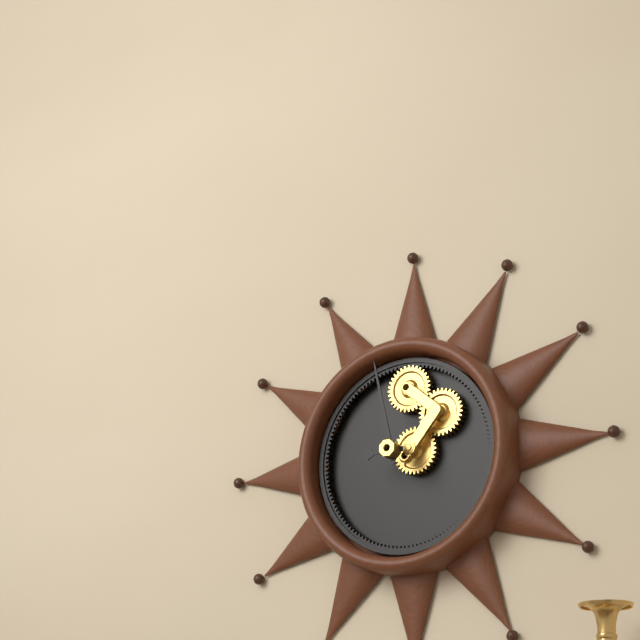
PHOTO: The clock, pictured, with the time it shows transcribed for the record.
8:58
